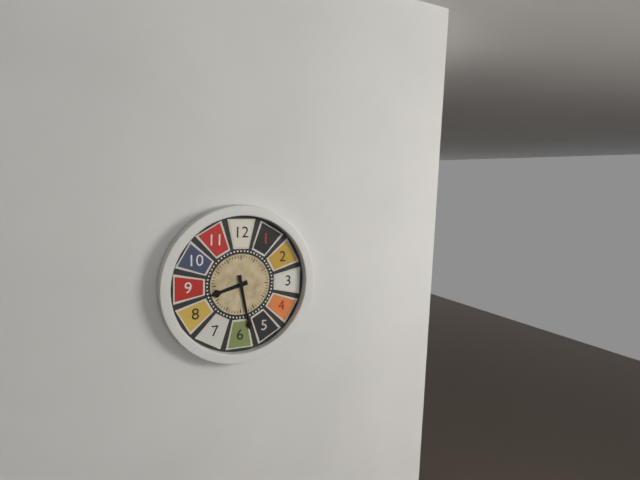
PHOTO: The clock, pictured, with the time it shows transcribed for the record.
8:28
